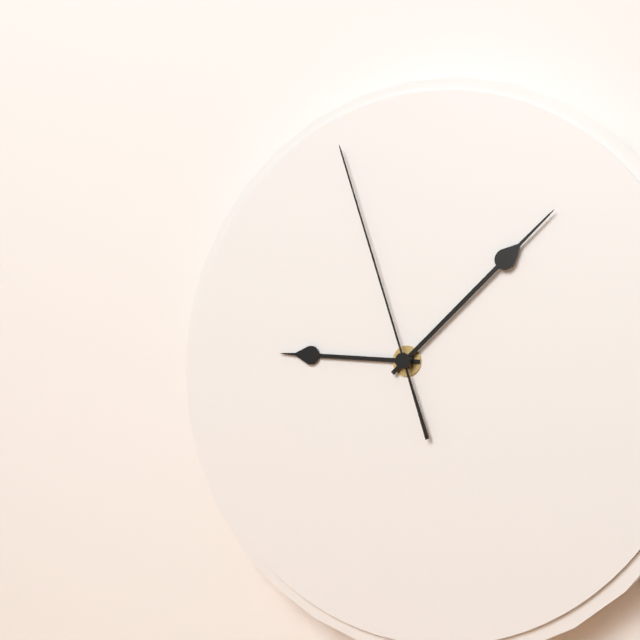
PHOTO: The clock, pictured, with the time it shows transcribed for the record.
9:08:57
